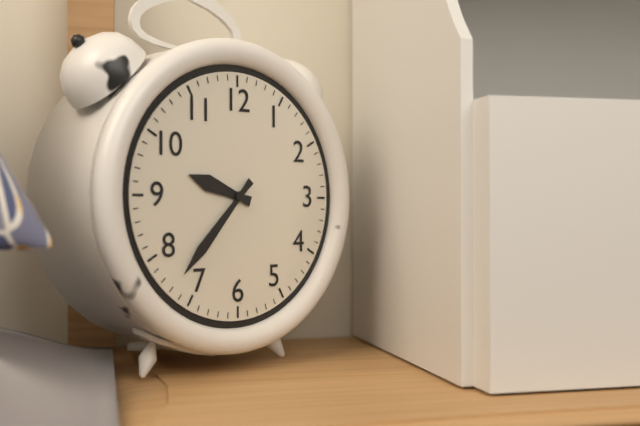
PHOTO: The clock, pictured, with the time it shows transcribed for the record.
9:37
